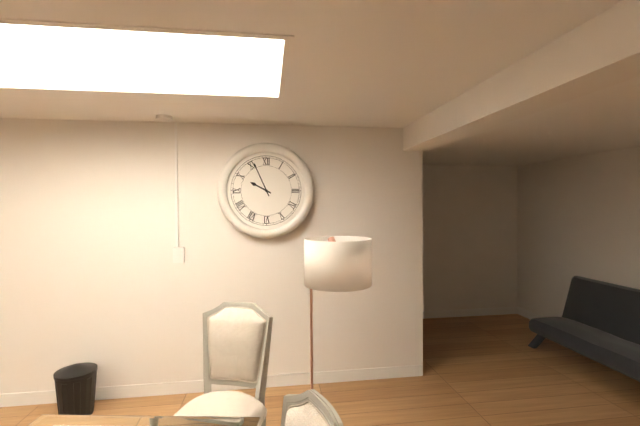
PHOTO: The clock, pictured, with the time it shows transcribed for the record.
9:56
